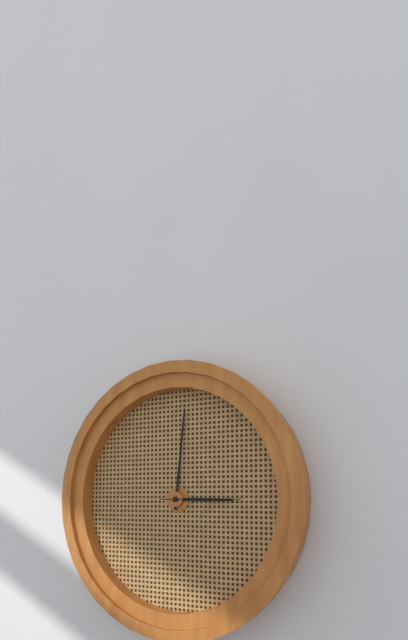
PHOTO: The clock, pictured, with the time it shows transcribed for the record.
3:01:15
